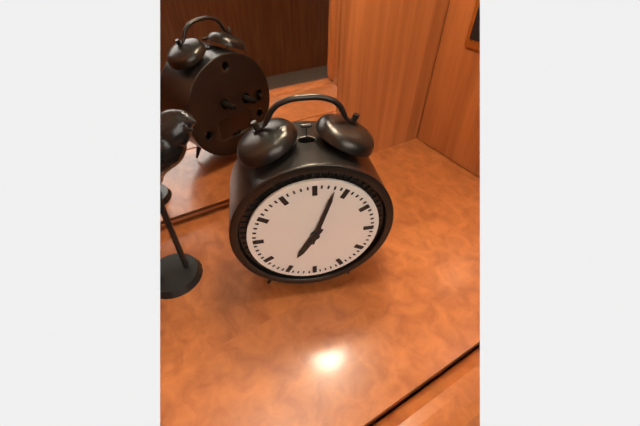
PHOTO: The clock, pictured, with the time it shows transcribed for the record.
7:03
